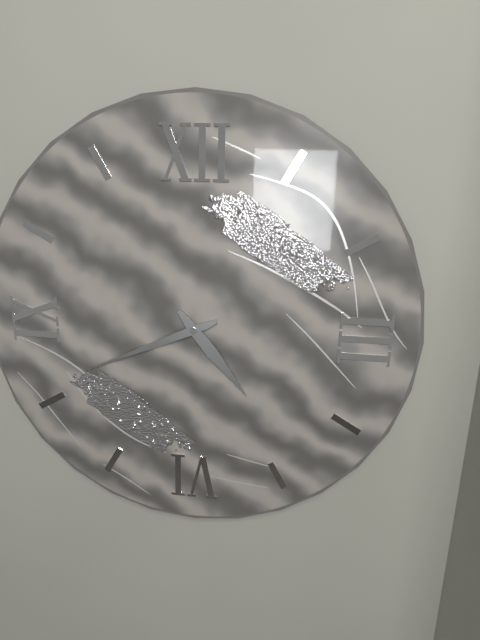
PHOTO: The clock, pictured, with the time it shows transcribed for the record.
4:41
